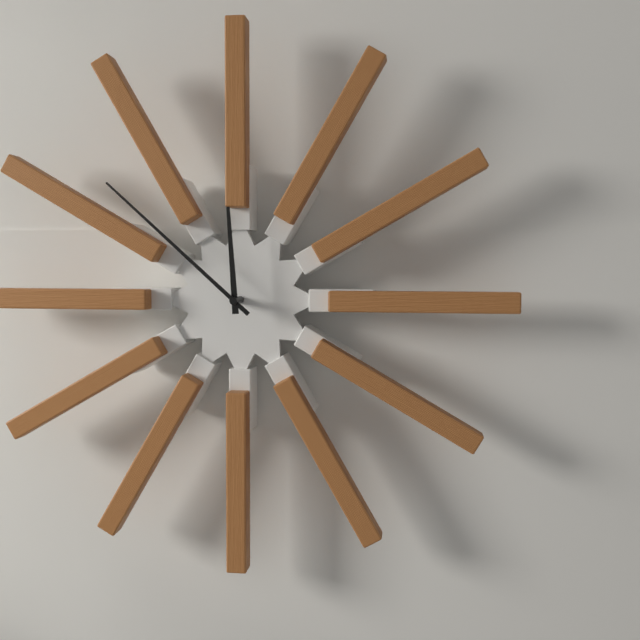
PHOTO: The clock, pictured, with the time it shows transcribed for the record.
11:52
